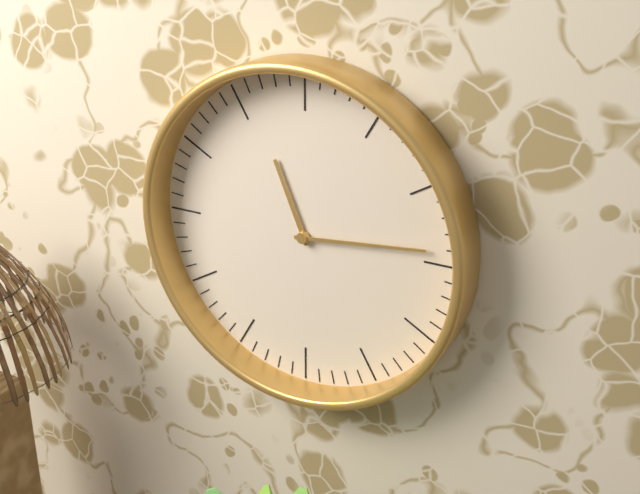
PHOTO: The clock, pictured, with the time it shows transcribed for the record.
11:14
